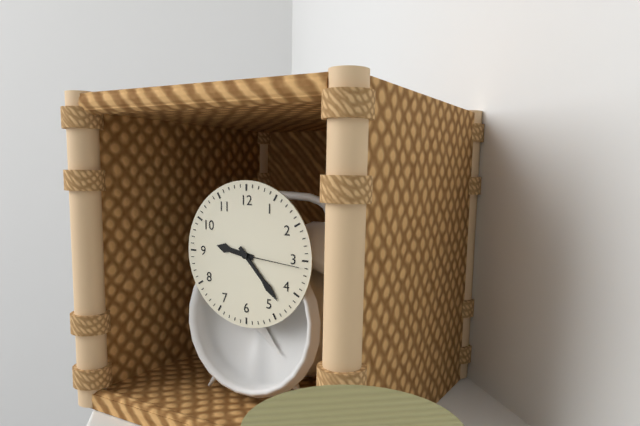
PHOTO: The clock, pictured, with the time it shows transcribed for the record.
9:23:16
